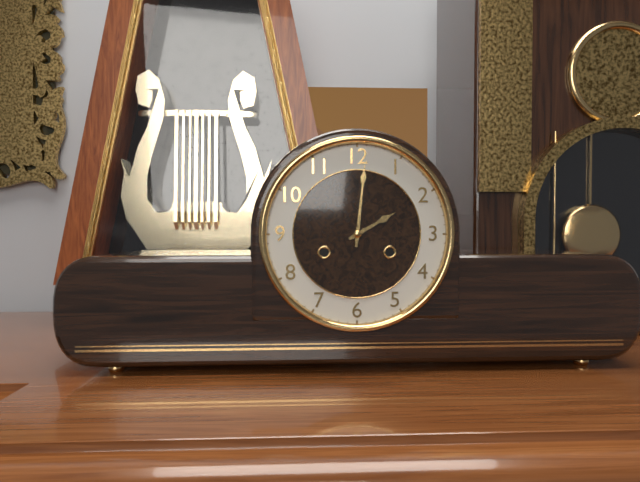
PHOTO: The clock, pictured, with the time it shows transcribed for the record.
2:01
